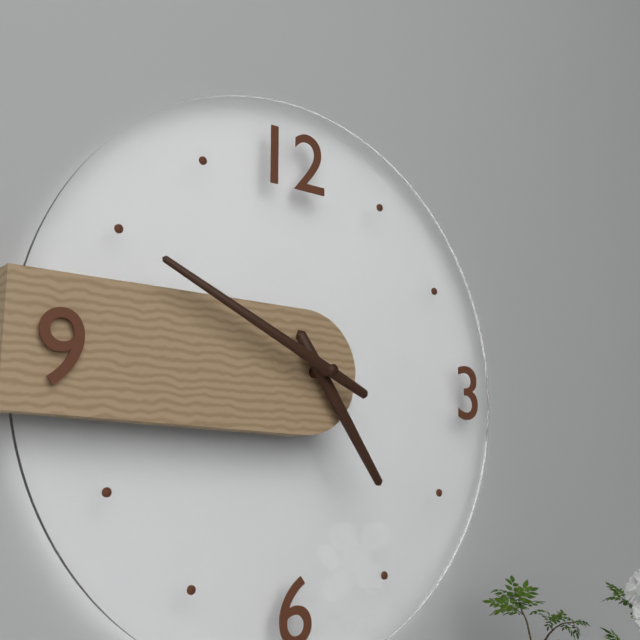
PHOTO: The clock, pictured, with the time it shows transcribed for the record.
4:49
